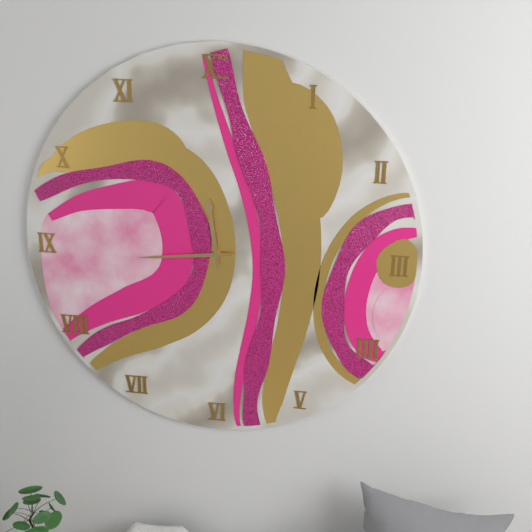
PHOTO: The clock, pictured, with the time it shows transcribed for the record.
11:44
